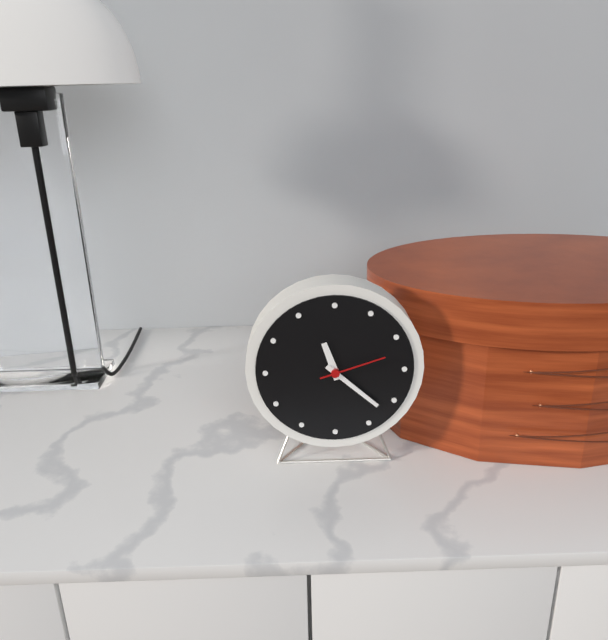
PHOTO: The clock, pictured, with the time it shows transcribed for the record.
11:22:12
